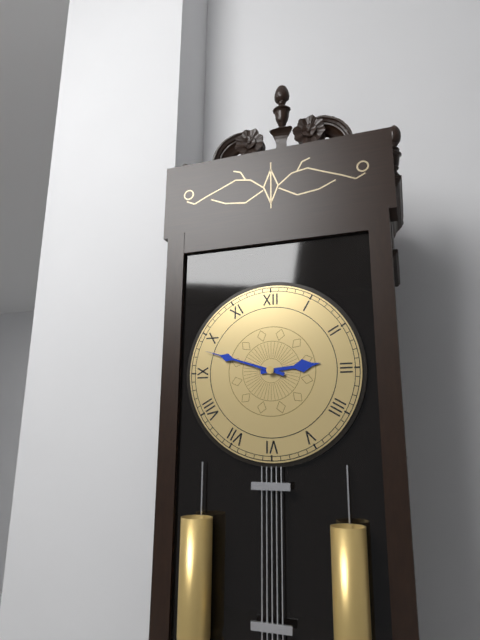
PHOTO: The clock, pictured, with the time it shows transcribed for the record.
2:48
